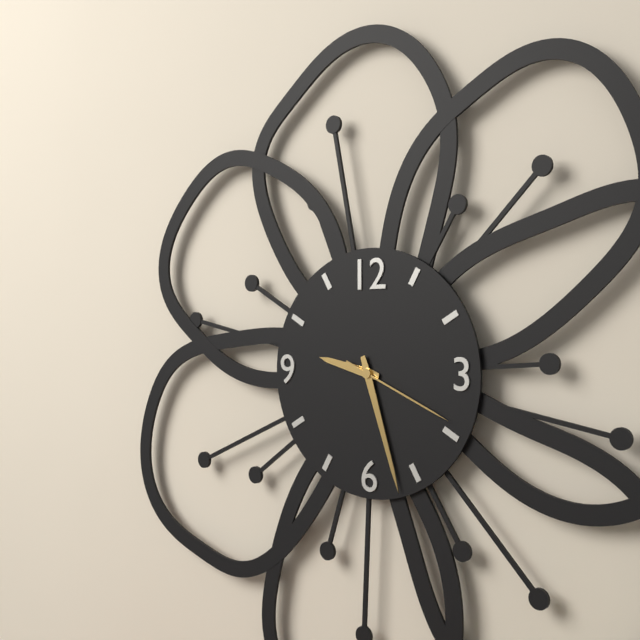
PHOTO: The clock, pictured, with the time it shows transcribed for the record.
9:27:19
